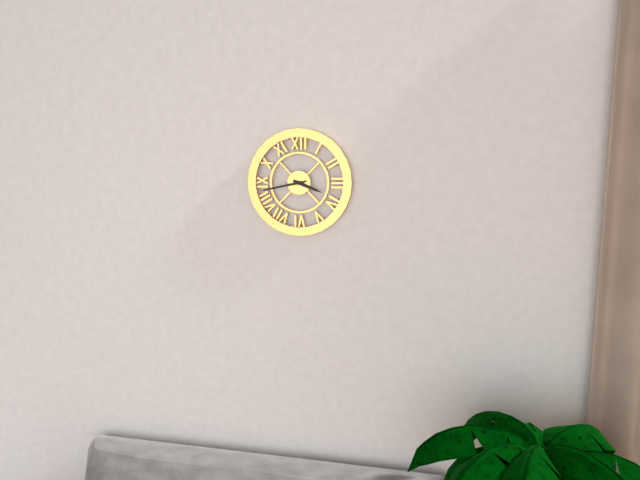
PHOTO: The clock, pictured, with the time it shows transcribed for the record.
3:43
